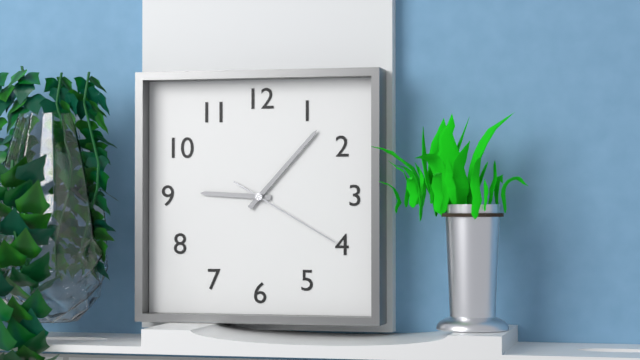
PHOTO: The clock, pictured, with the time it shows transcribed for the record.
9:07:20
